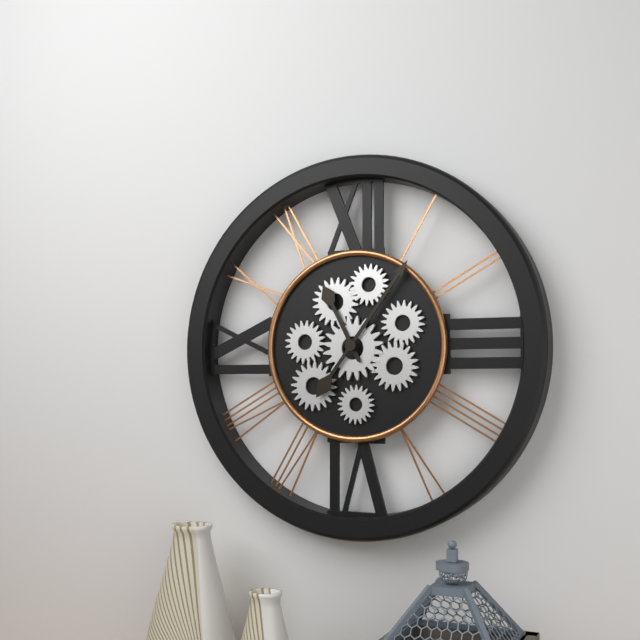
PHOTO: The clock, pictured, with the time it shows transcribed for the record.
11:06
